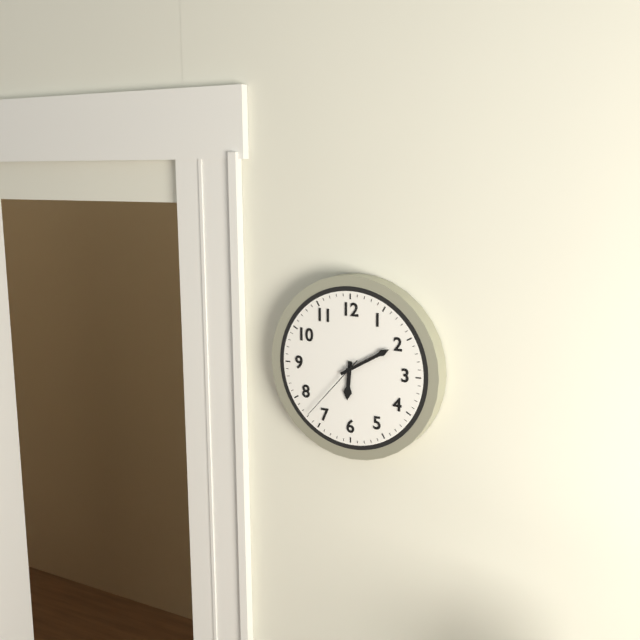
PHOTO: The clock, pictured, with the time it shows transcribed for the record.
6:10:37
